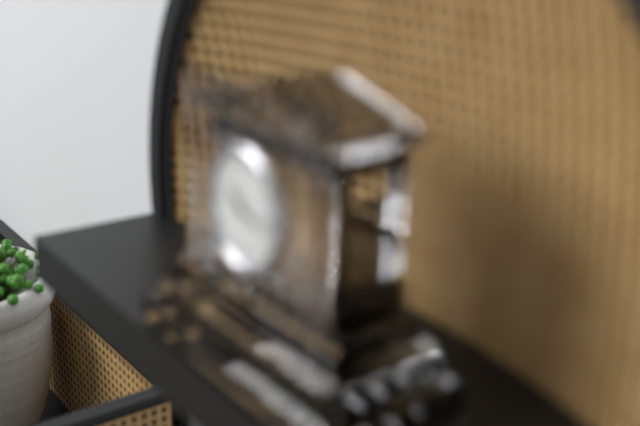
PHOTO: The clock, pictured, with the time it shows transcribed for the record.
10:17
